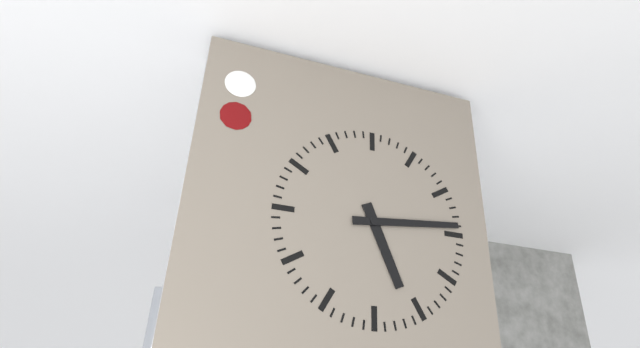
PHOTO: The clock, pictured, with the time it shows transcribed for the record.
5:14
